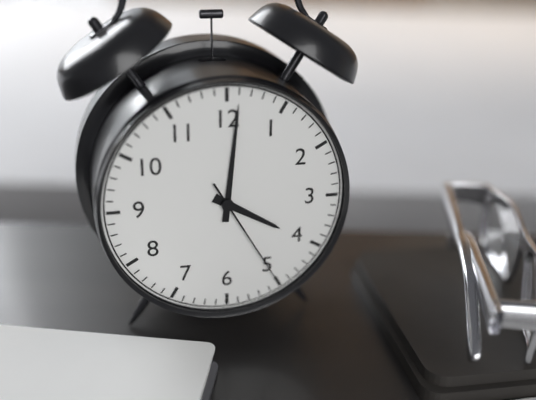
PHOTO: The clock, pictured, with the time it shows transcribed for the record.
4:01:25
